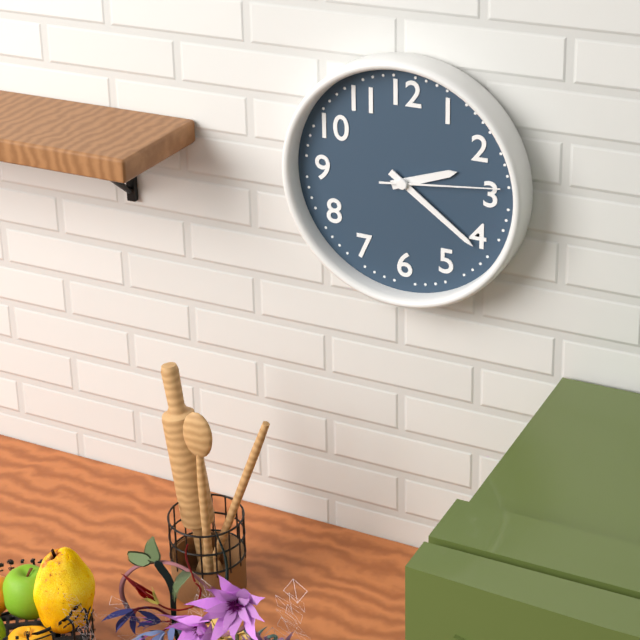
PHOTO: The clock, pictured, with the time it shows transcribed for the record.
2:21:14
